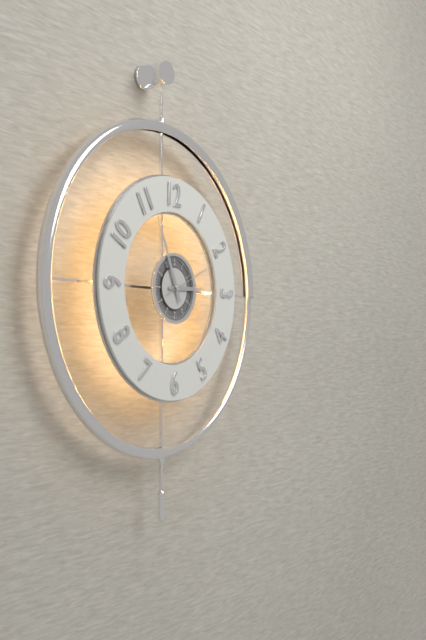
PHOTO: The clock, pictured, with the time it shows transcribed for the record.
2:56:11
